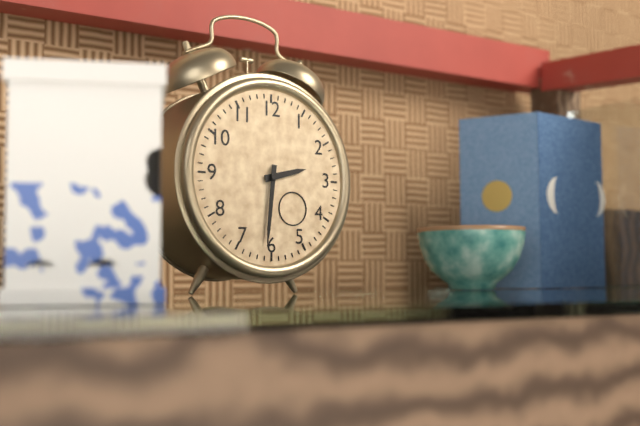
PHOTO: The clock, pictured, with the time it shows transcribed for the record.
2:31
